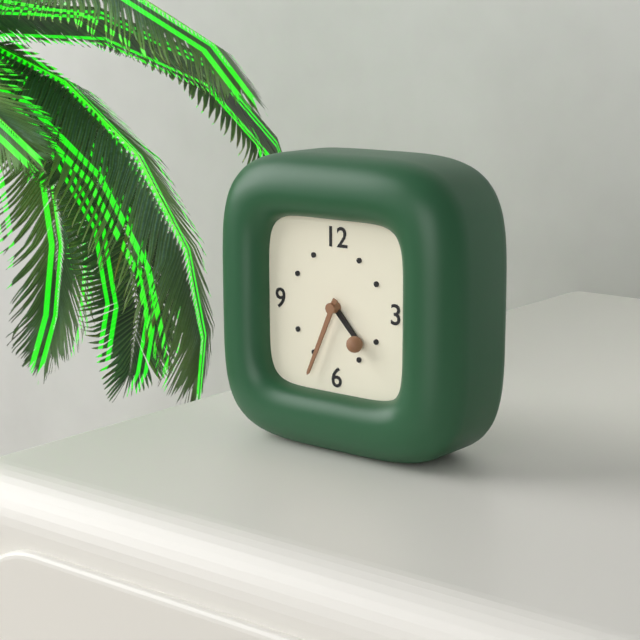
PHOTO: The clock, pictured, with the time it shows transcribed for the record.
4:34
